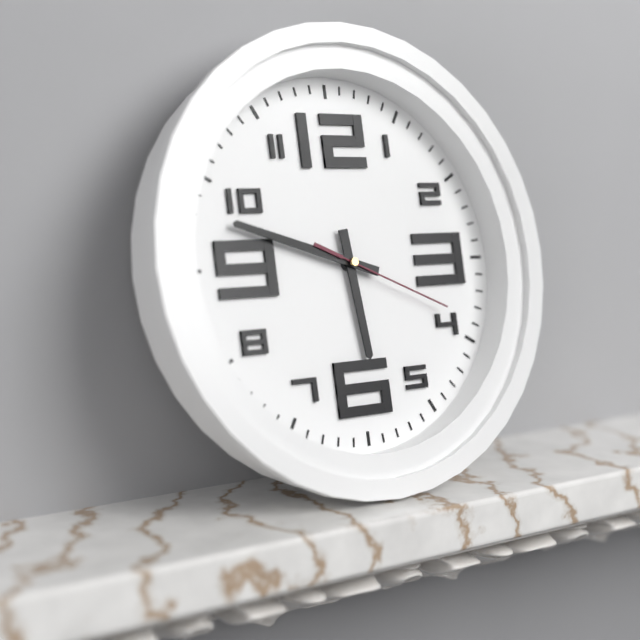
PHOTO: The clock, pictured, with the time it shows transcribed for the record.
5:48:19
